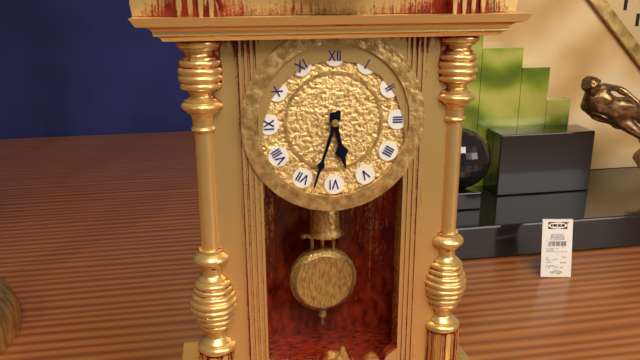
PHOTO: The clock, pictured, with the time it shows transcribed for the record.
5:33
